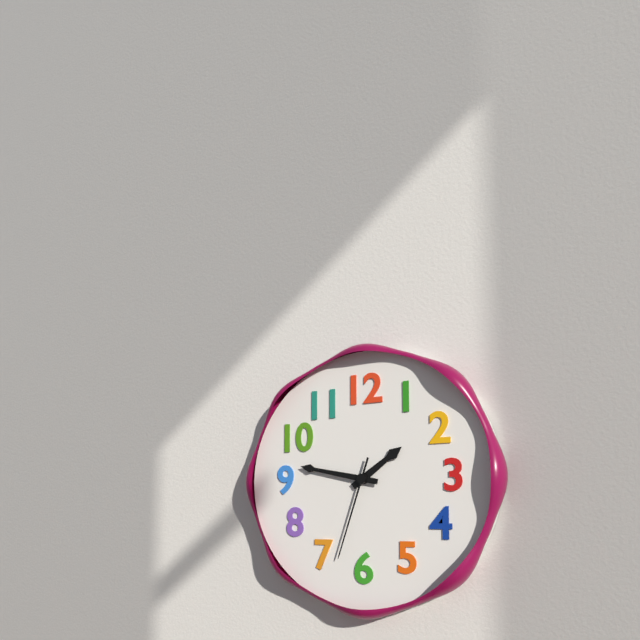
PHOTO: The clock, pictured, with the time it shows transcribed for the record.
1:47:33
